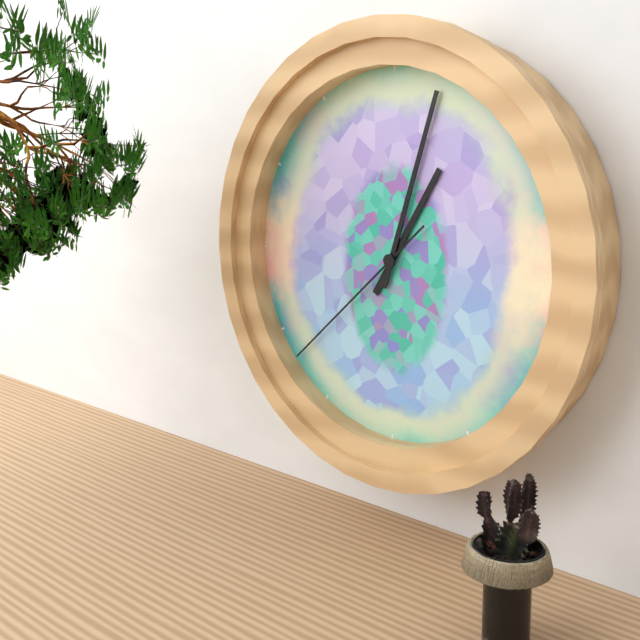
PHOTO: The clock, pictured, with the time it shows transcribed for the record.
1:03:38
